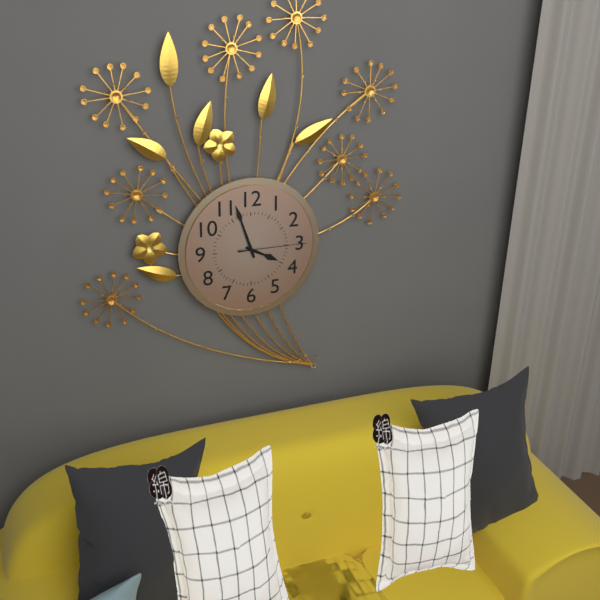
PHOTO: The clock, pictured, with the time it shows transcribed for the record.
3:57:15
